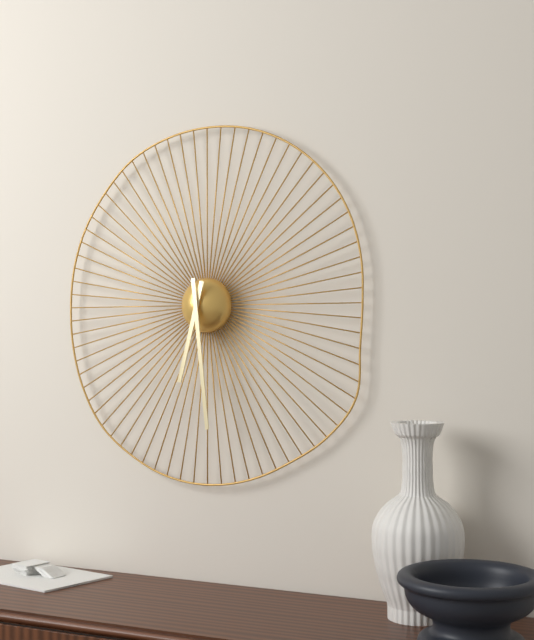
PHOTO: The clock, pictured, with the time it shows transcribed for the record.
6:29
